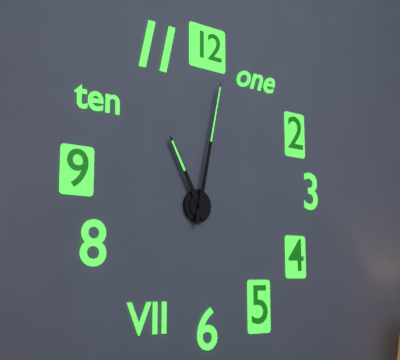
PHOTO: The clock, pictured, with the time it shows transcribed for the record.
11:02
